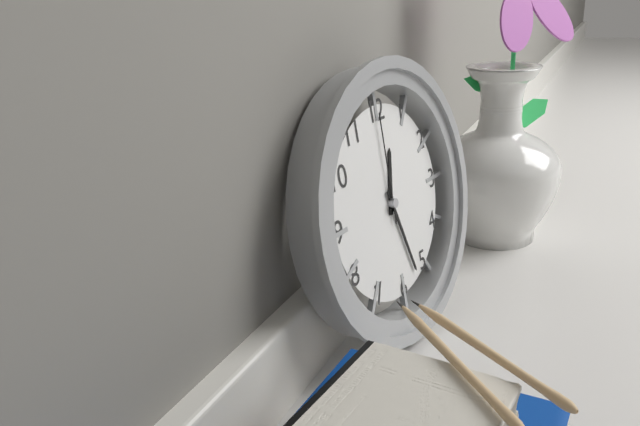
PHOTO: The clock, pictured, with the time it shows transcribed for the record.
12:27:00
